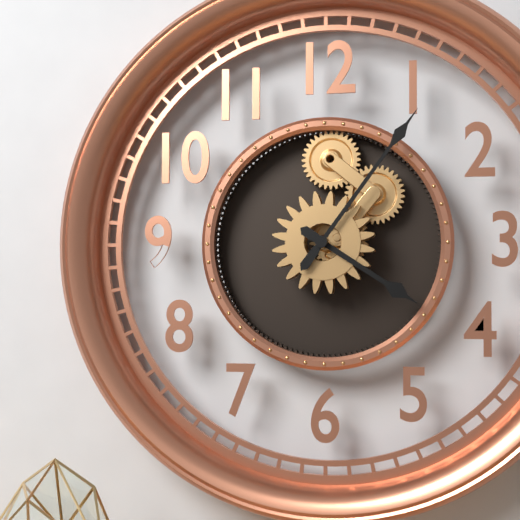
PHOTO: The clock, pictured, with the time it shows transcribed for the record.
4:06
